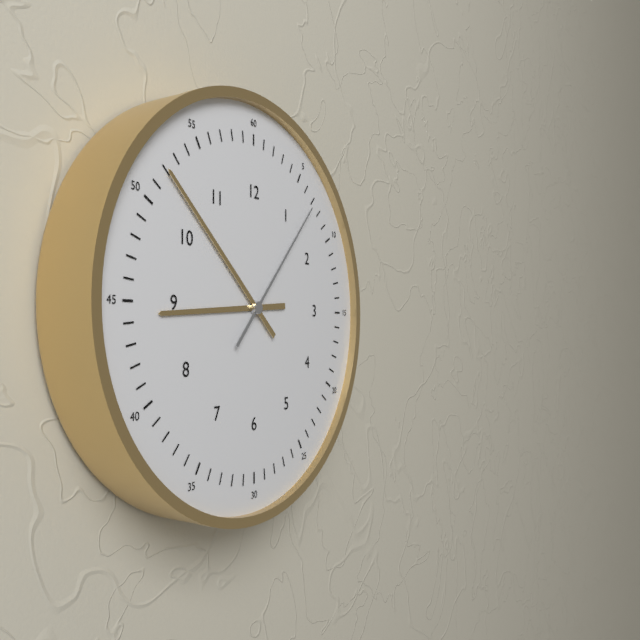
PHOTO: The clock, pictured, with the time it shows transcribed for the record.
8:52:07
